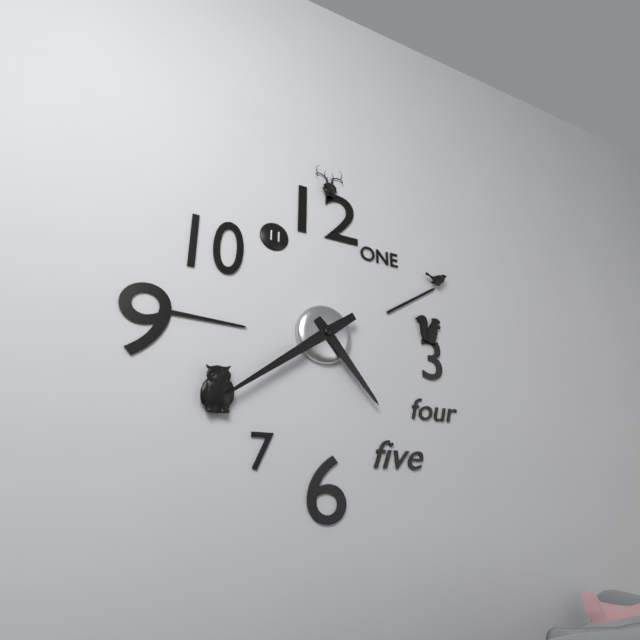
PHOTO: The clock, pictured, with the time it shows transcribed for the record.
4:39
